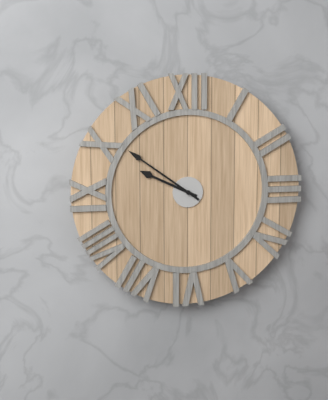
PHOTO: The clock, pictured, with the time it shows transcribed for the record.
9:51
